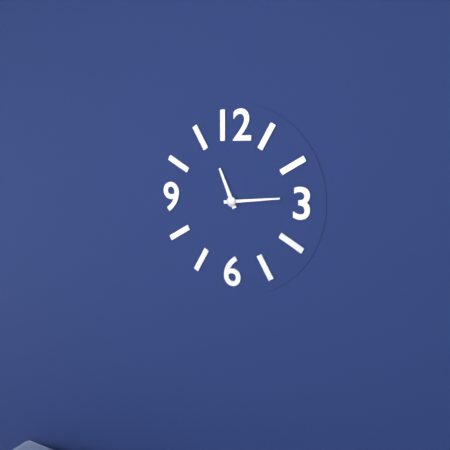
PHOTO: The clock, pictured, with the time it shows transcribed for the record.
11:14
